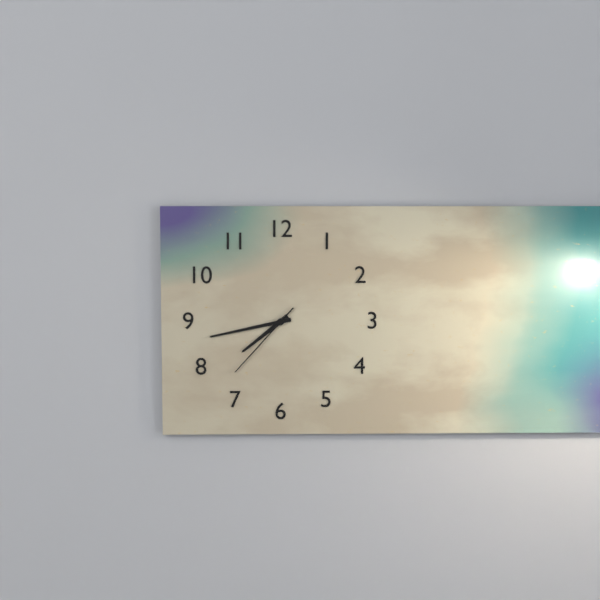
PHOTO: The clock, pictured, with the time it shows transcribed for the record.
7:43:37
